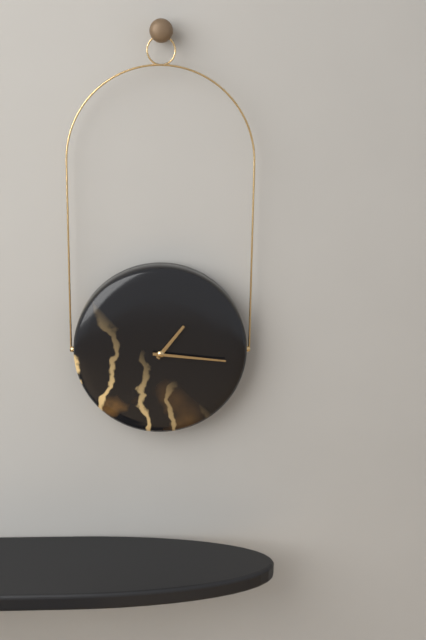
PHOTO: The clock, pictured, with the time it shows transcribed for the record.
1:16
